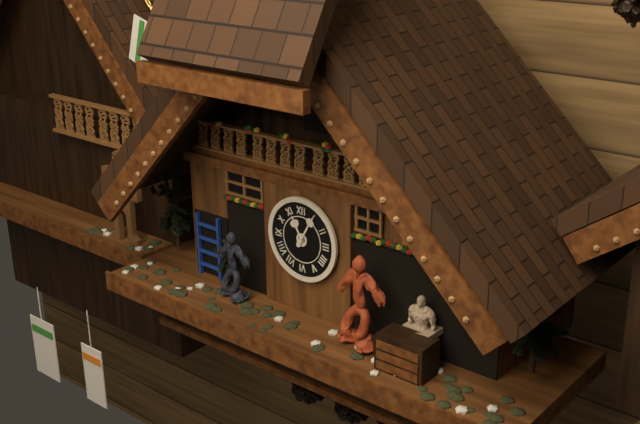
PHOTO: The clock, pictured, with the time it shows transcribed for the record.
11:05
